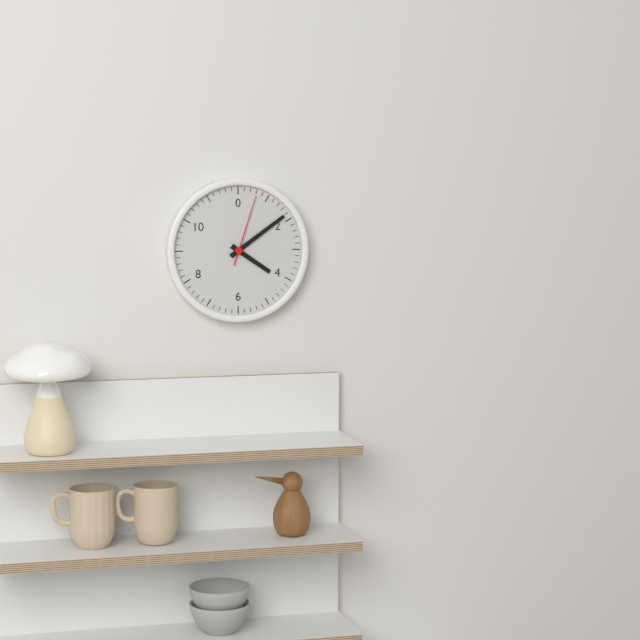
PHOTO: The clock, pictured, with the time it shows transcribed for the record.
4:09:03
